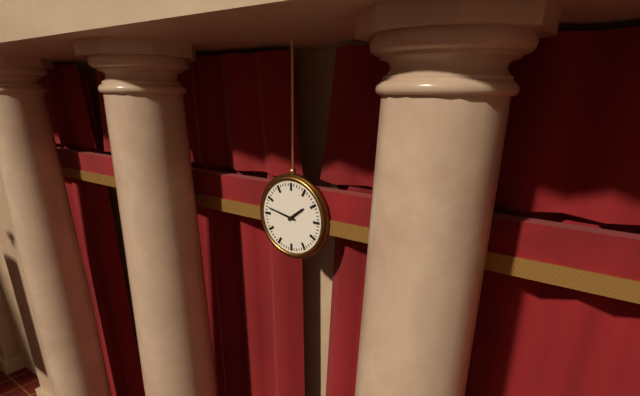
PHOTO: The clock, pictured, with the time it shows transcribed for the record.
1:47
